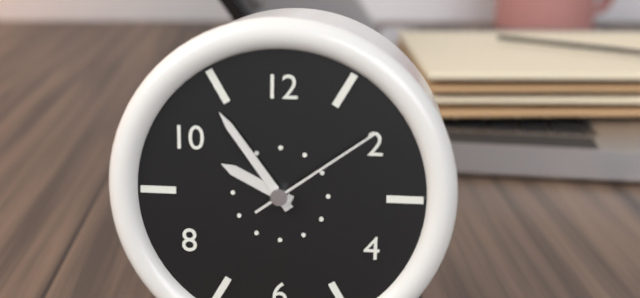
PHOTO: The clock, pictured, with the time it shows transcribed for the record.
9:54:09
